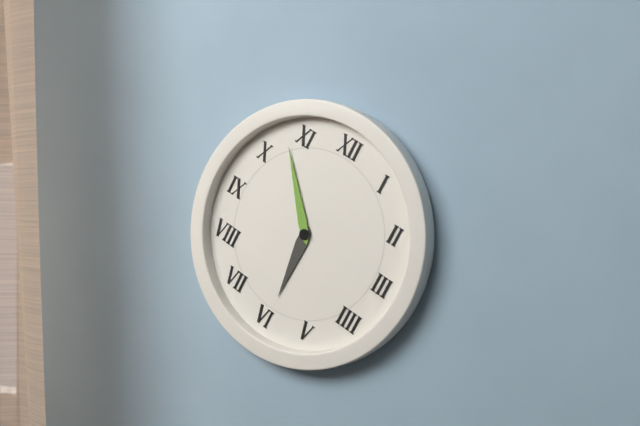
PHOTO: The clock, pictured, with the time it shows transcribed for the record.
5:53
